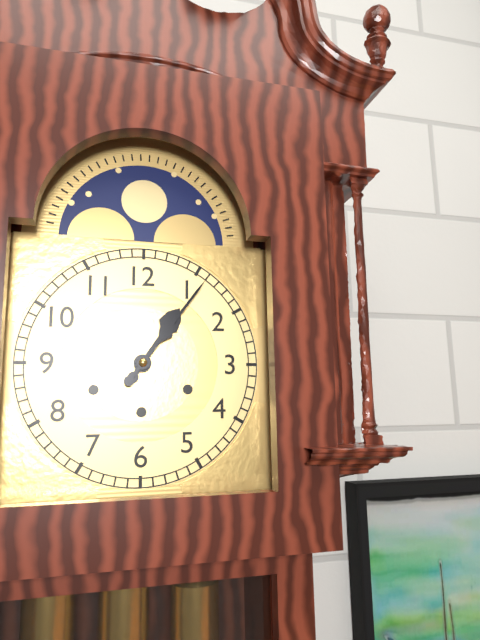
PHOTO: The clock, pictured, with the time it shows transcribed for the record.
1:06
